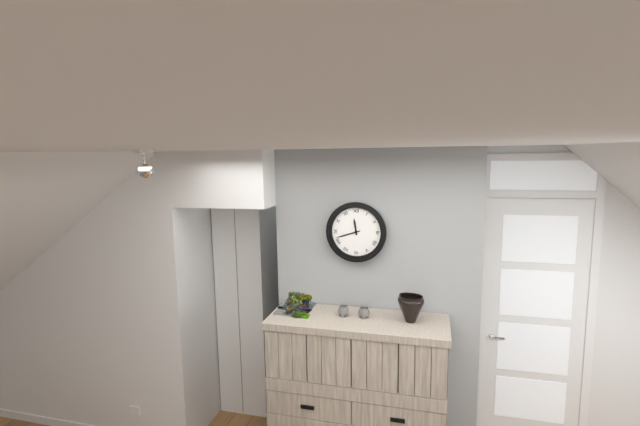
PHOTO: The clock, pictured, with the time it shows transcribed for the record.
11:42
